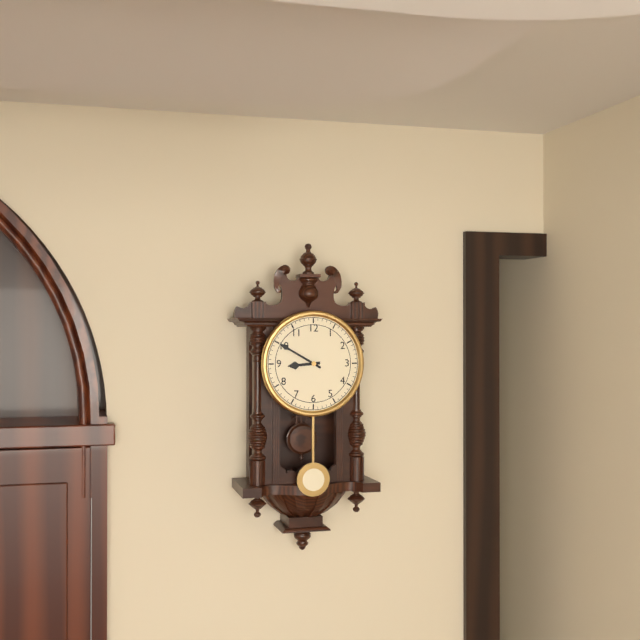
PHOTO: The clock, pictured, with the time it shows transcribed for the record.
8:50
